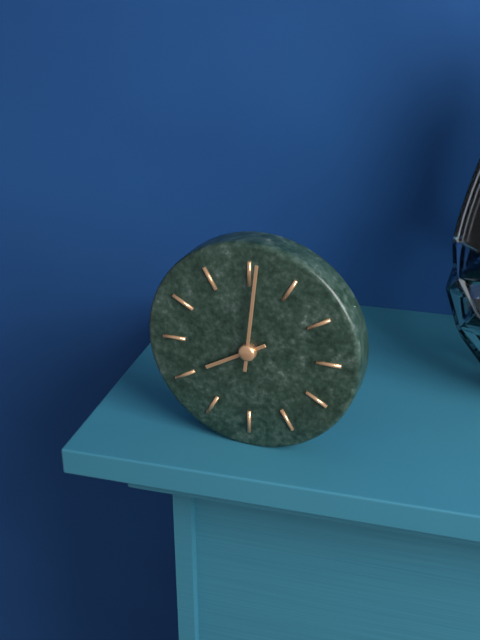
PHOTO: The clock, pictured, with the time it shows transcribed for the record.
8:01
